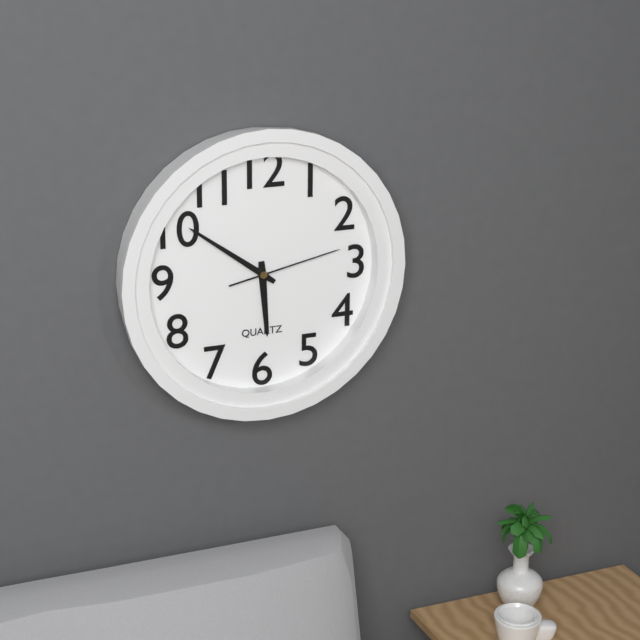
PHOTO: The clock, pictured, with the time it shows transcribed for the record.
5:51:13
